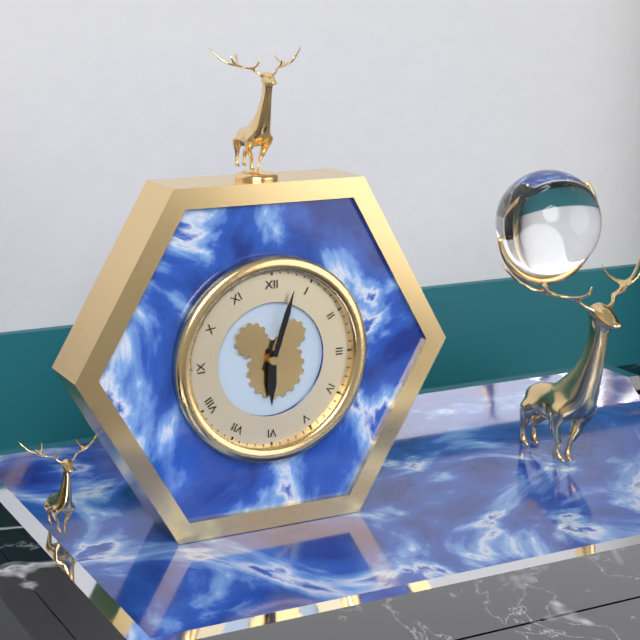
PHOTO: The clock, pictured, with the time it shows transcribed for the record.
6:03
